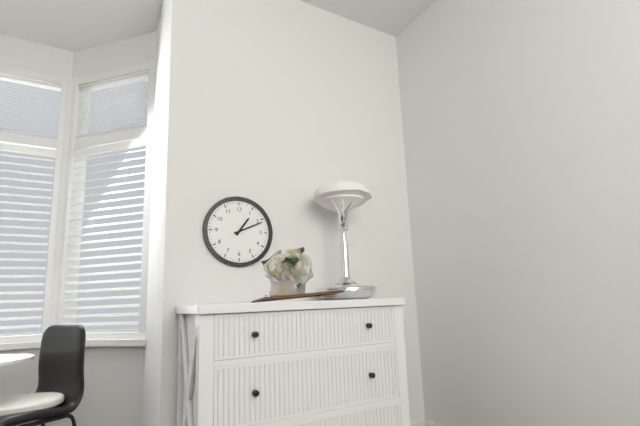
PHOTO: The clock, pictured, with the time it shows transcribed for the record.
1:11
